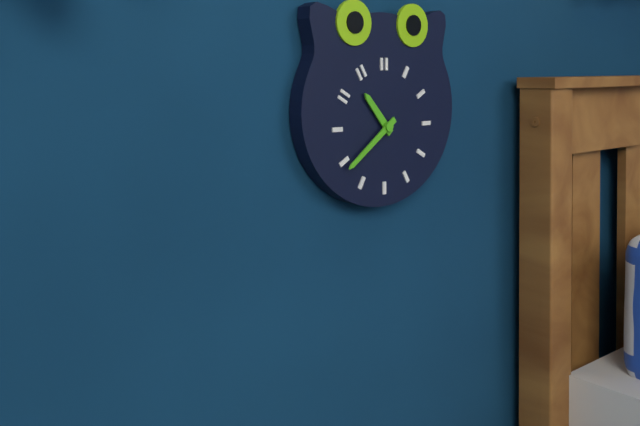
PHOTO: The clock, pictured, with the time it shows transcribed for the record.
10:39
